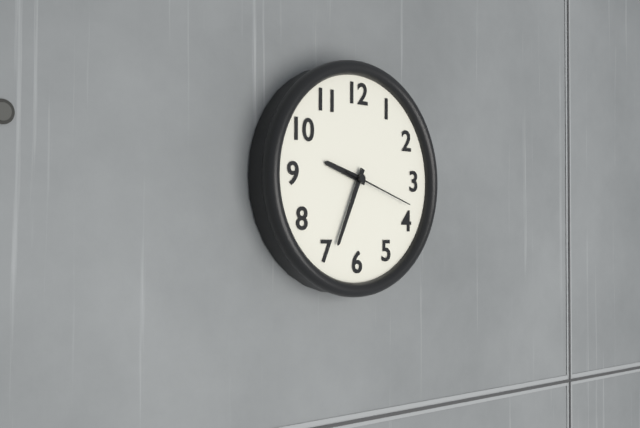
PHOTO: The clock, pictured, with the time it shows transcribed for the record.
9:34:18
